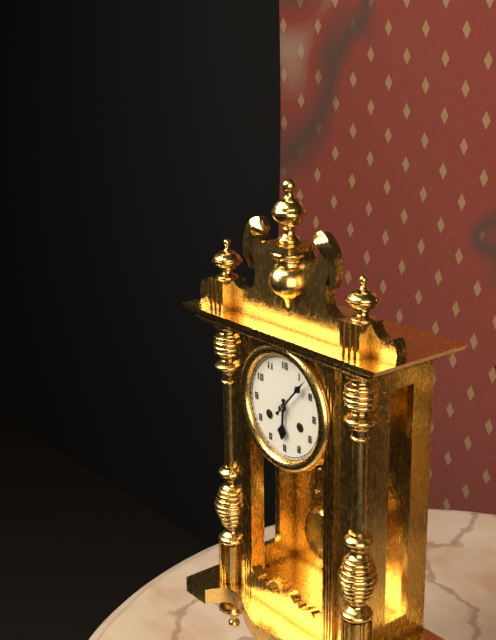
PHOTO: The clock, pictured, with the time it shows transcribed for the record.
6:07
